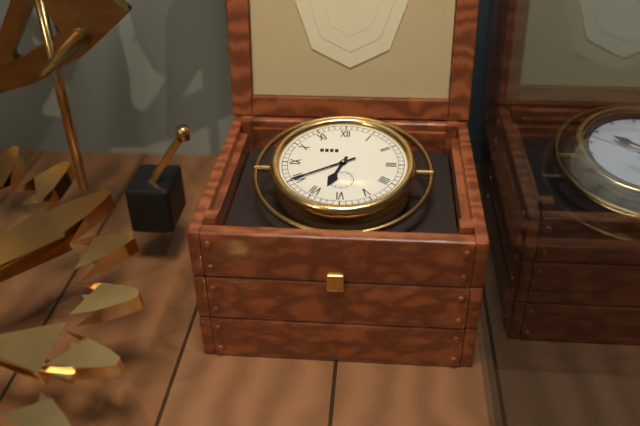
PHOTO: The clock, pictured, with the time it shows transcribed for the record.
6:40
